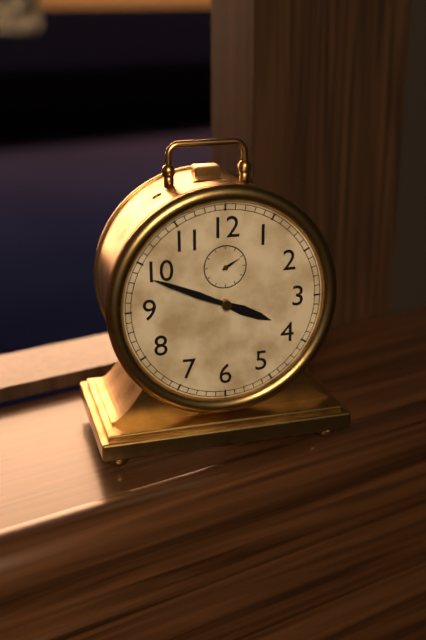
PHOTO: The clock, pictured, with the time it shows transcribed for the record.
3:49
